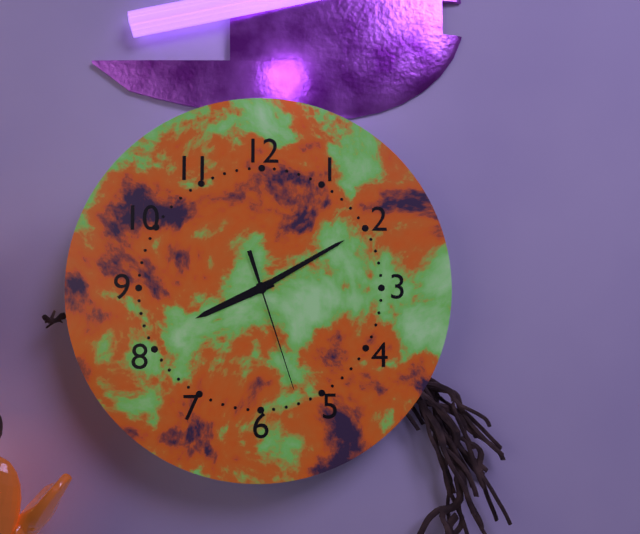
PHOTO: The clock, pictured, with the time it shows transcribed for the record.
8:10:27
